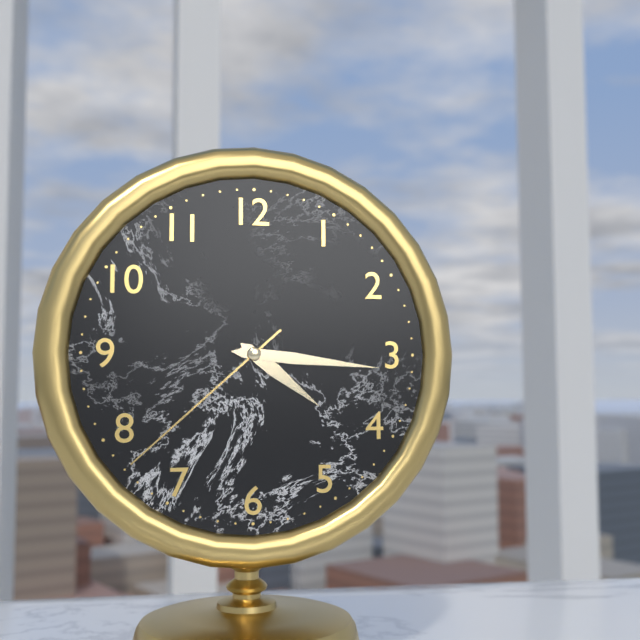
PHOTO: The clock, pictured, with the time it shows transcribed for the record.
4:16:38
